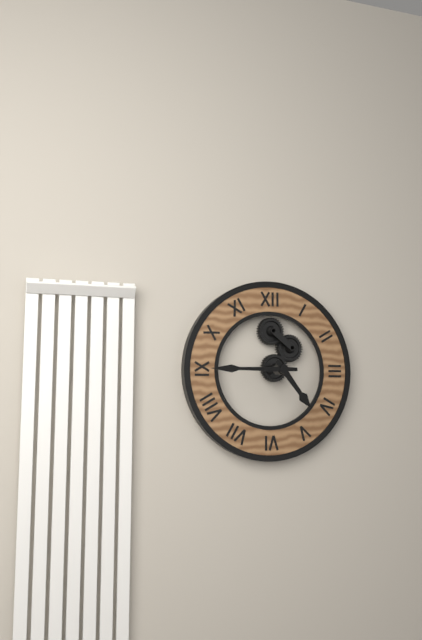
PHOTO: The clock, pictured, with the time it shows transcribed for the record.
4:45
